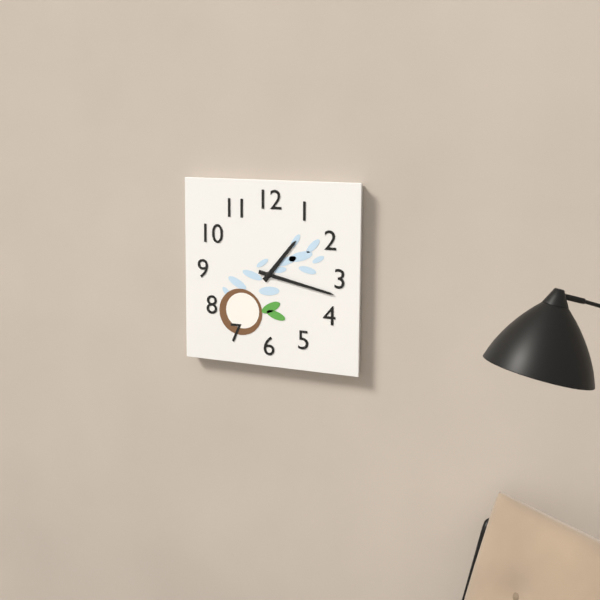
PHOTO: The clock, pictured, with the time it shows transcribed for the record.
1:17
